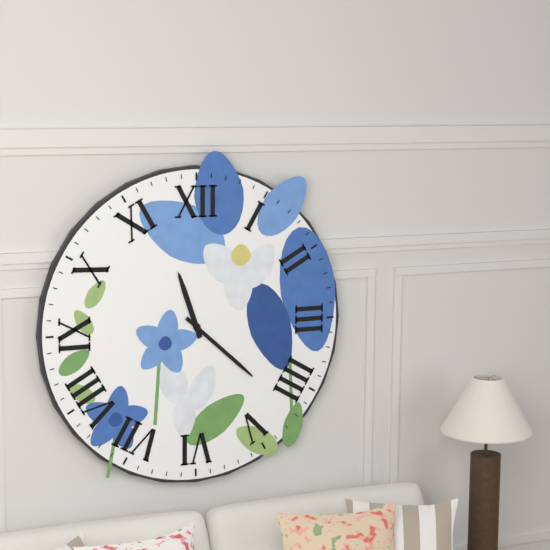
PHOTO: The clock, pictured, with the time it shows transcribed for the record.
11:22
